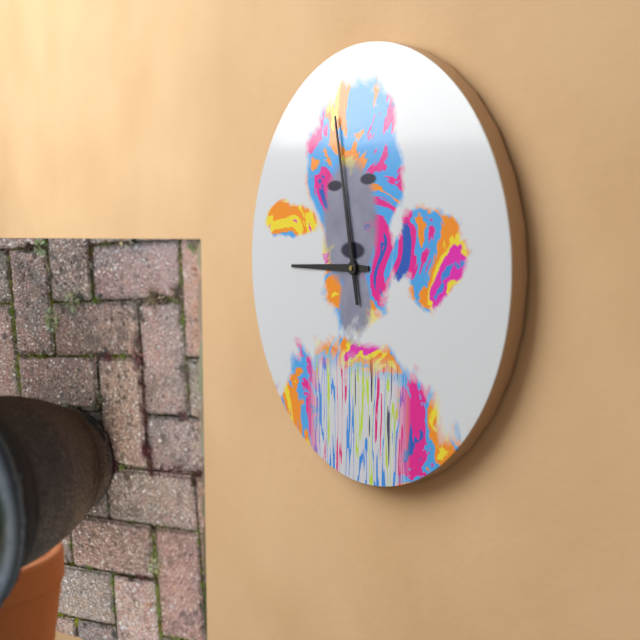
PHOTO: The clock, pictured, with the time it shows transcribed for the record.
8:58
